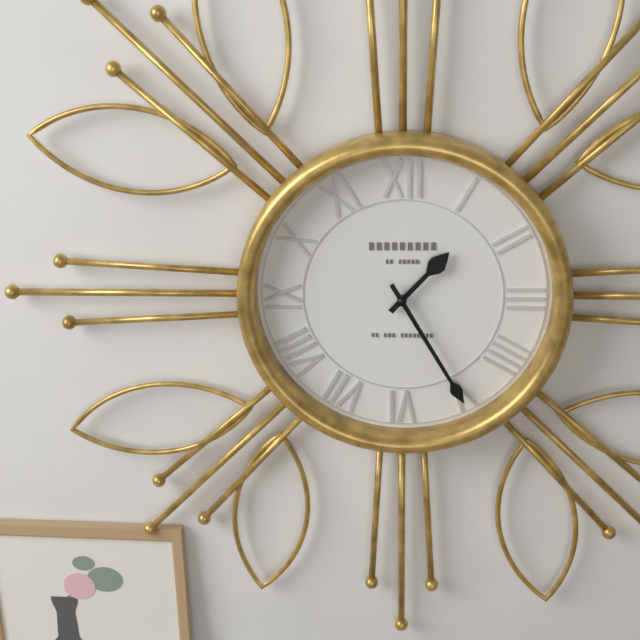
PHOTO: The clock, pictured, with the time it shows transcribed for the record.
1:25
